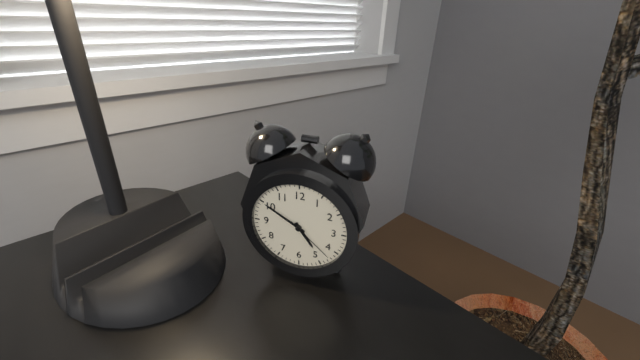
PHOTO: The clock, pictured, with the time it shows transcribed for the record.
4:50:22
